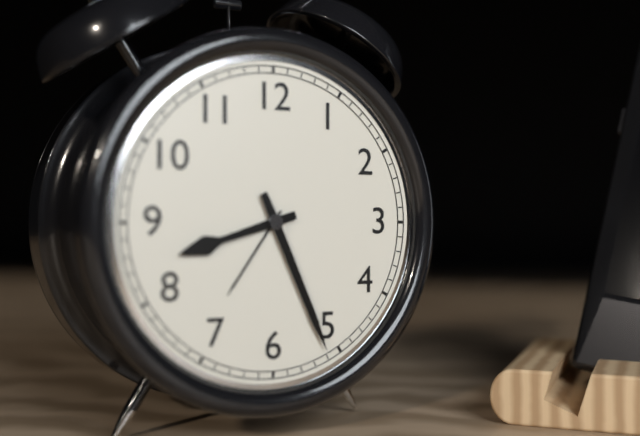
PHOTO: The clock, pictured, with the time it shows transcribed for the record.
8:26
